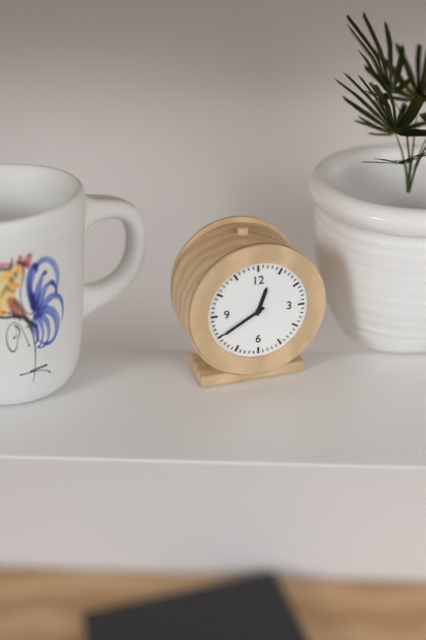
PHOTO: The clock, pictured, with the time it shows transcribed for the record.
12:40
